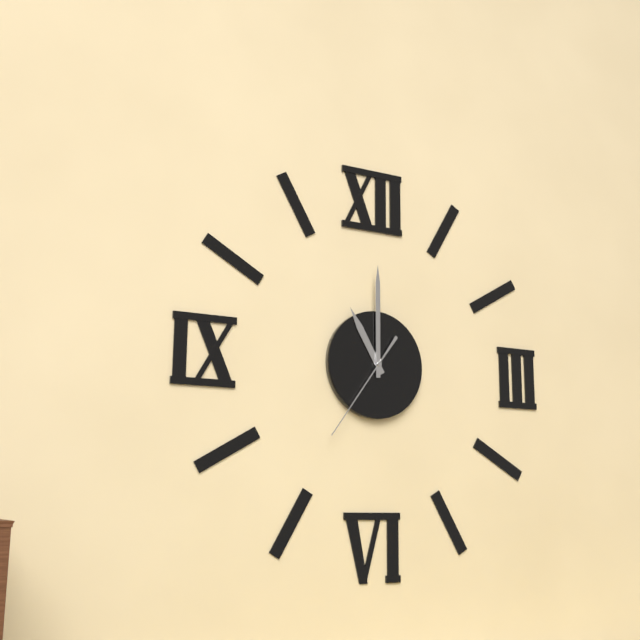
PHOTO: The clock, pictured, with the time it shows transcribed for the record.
11:00:36
